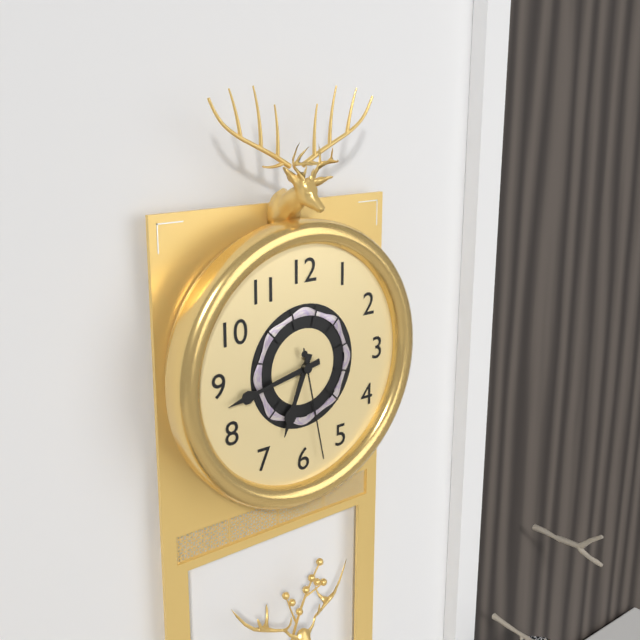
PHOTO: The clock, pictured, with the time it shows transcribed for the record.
6:43:28
